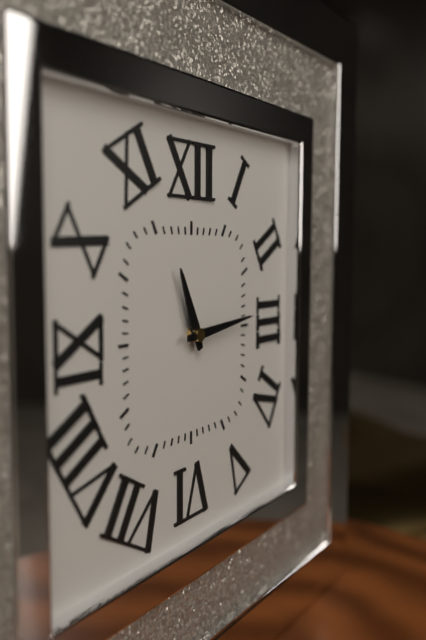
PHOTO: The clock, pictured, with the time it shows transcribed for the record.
11:14
